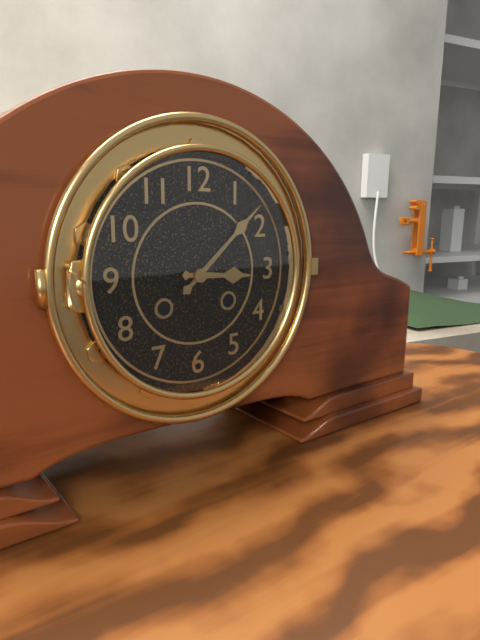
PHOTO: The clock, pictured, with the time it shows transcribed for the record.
3:08
